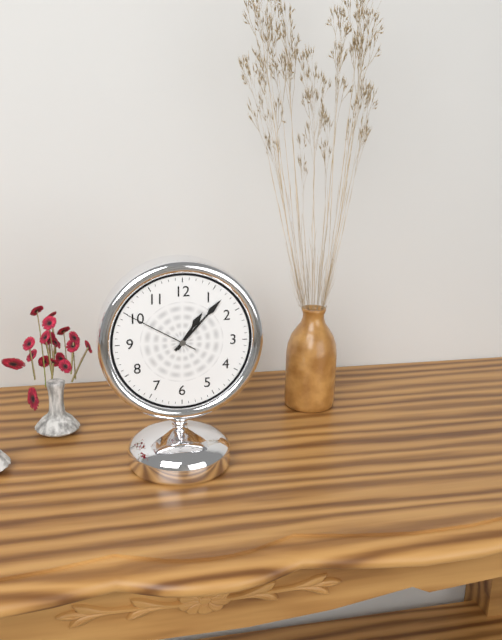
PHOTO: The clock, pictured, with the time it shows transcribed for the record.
1:07:50
